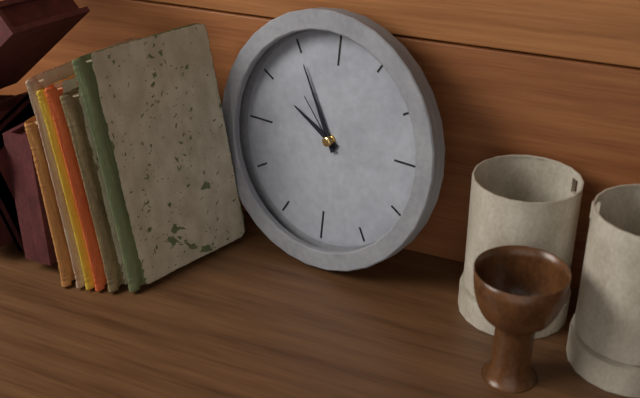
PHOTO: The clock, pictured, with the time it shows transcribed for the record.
9:55:53
